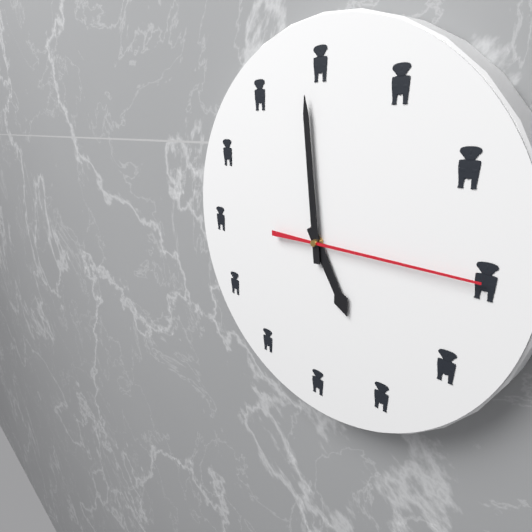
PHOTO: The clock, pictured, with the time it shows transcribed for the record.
4:59:15
